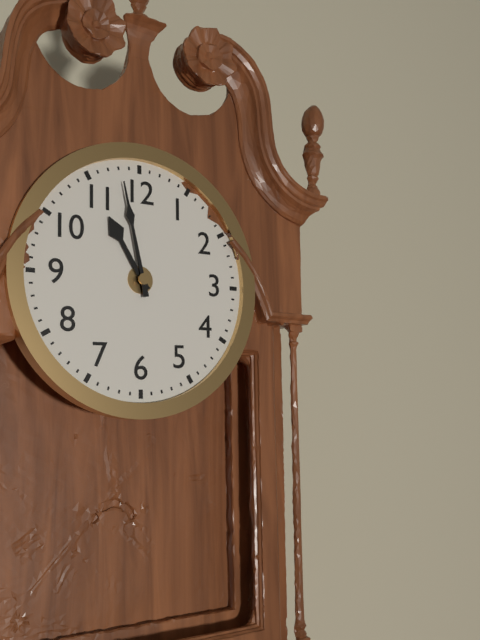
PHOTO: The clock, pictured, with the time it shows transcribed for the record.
10:58
